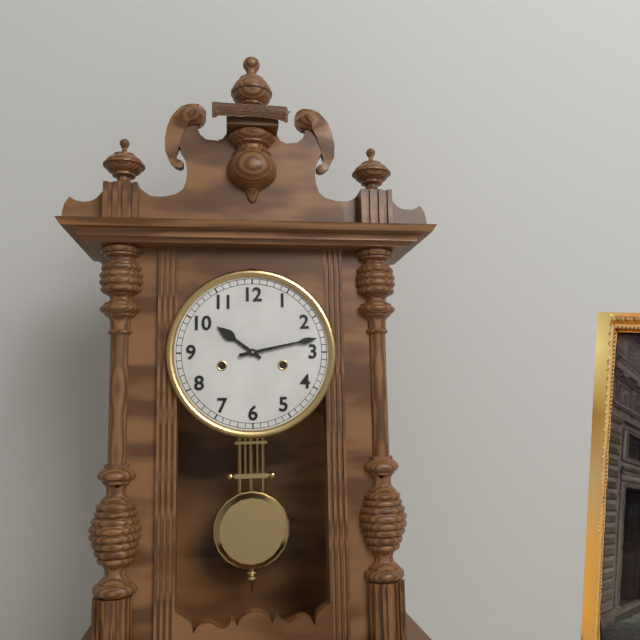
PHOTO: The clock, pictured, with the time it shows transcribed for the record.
10:13
